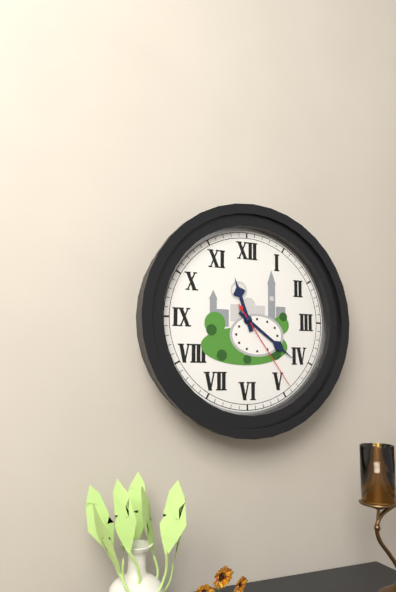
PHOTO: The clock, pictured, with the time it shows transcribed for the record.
11:21:24
